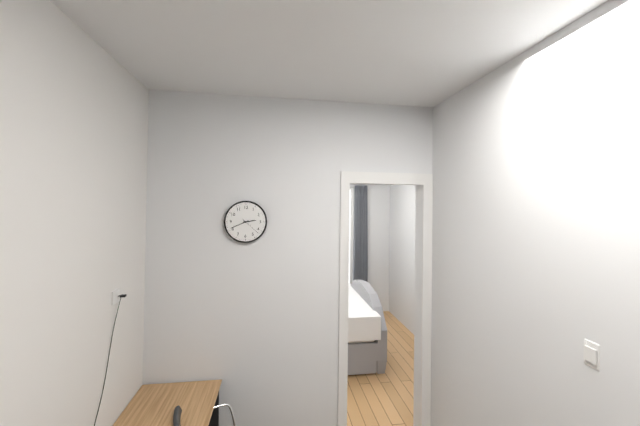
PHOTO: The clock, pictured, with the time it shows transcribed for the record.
2:41
